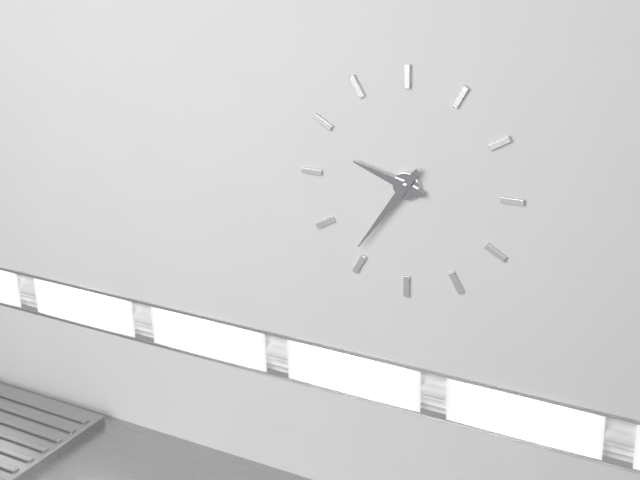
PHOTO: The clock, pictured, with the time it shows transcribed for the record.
9:36
